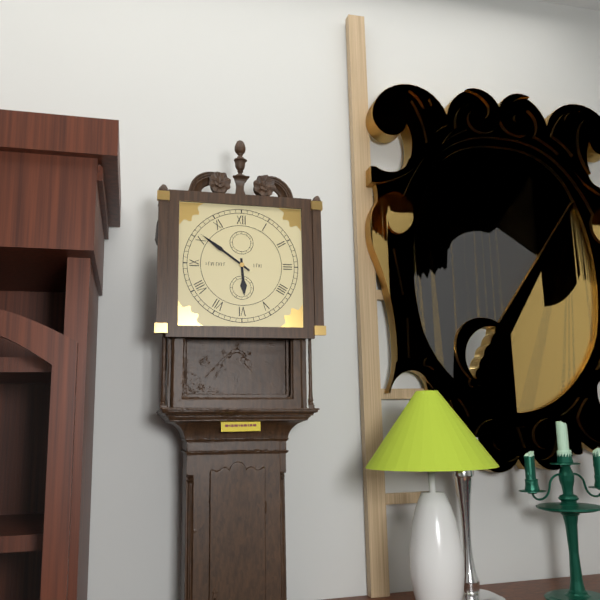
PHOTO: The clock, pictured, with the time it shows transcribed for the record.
5:51
